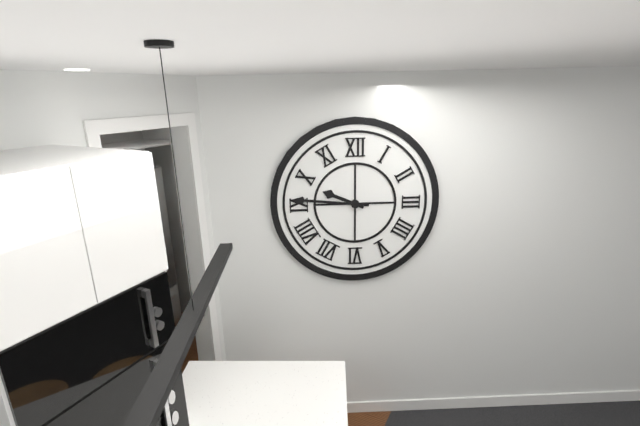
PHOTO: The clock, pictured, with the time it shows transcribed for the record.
9:46
